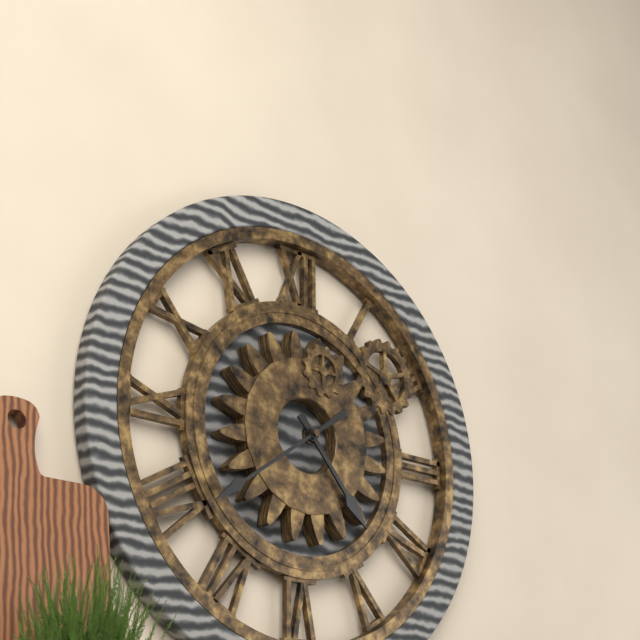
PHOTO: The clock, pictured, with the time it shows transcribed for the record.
4:39
